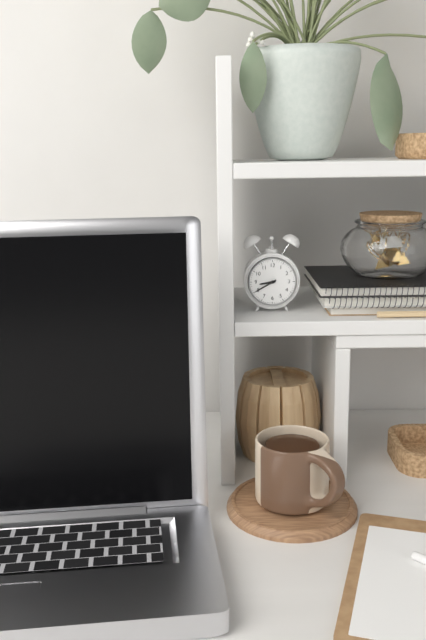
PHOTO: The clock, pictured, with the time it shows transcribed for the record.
8:40
